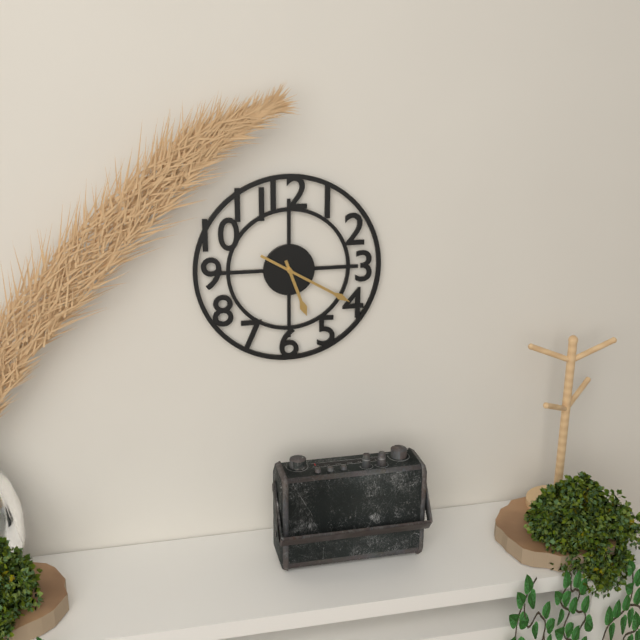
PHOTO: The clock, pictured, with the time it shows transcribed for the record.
5:20
